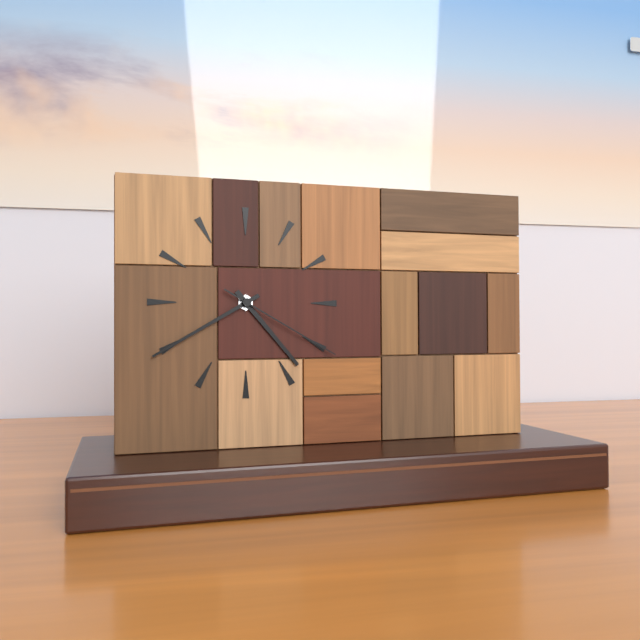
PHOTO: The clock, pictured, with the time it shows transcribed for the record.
4:40:20
